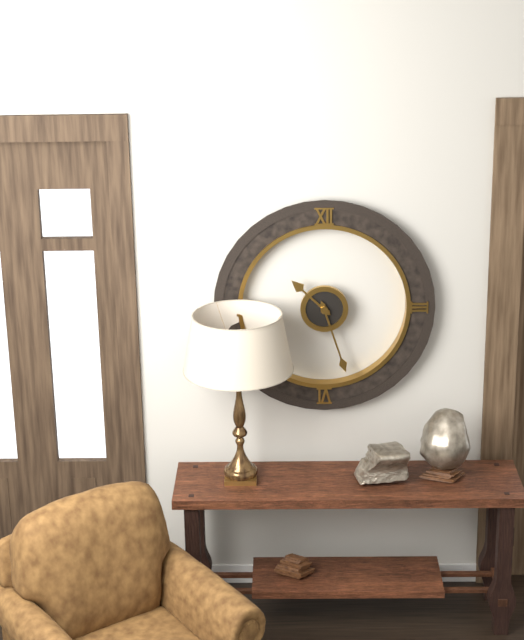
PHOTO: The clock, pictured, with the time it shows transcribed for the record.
10:27
